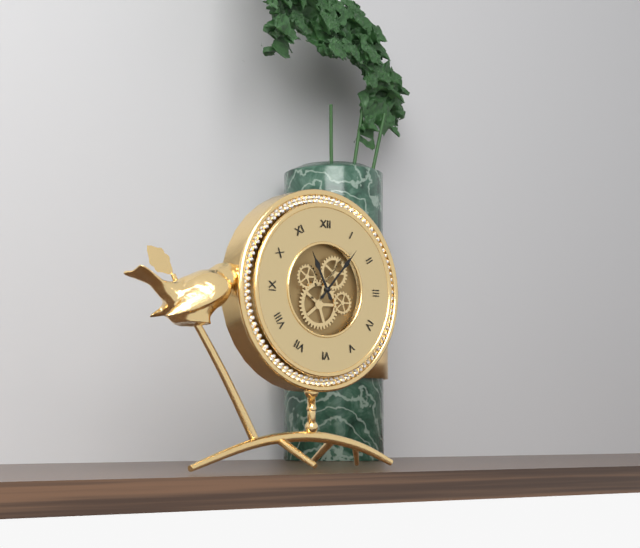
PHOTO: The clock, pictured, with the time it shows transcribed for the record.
11:07
